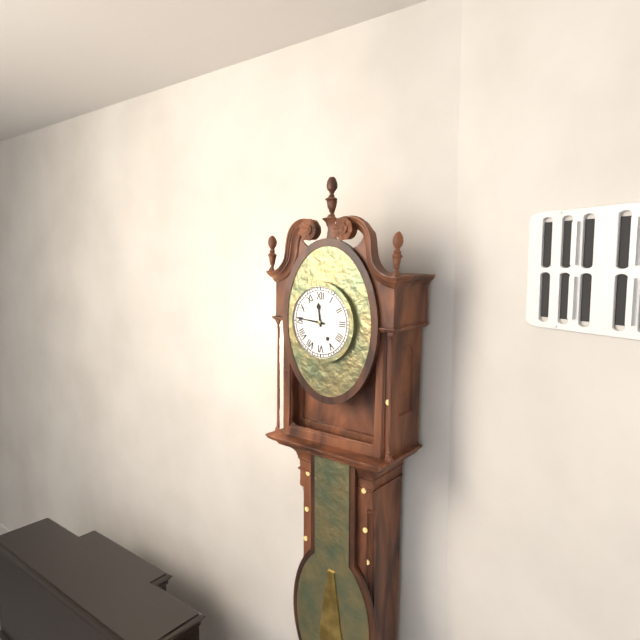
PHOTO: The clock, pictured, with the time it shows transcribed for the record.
11:46
